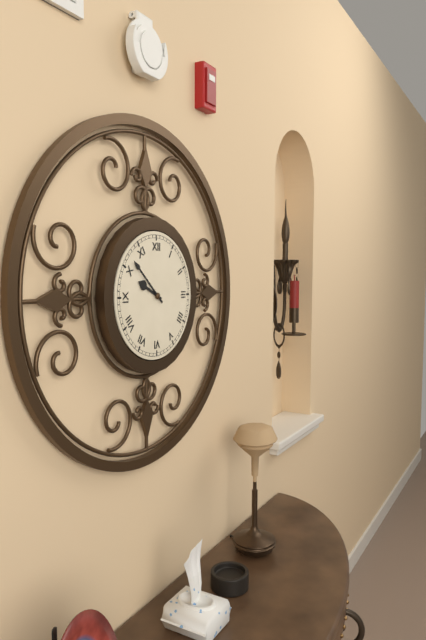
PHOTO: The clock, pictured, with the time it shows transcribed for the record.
9:52
